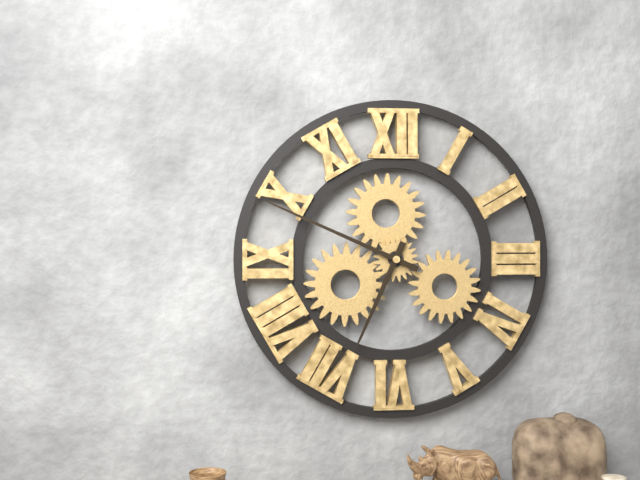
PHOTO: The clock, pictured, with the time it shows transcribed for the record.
6:49
